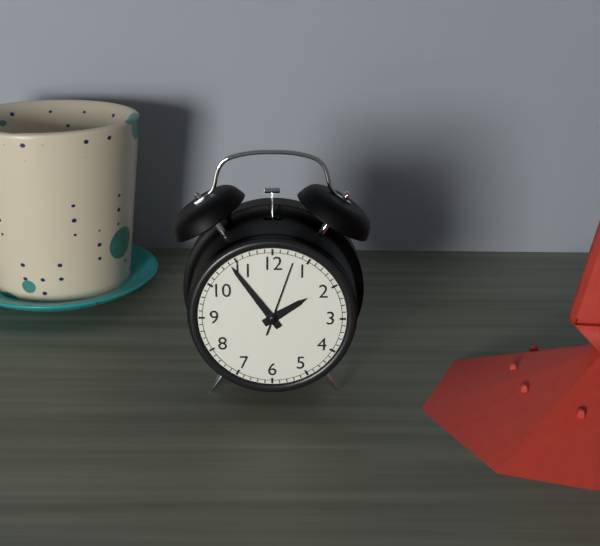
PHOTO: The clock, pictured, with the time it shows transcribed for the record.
1:54:03
